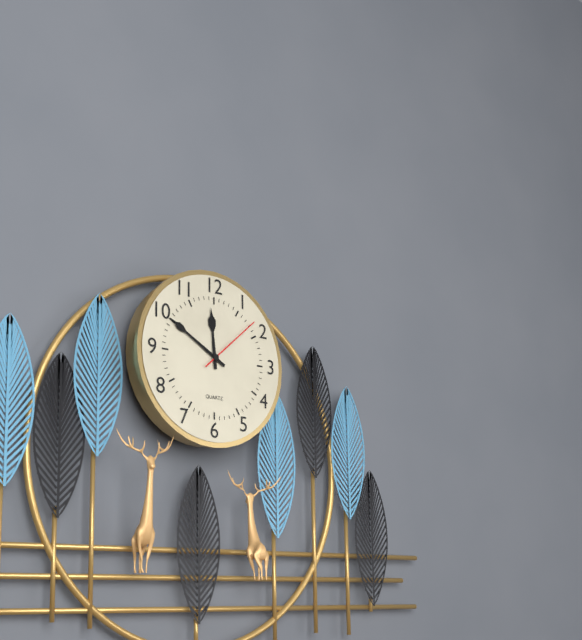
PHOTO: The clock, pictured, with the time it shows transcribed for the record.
11:50:08
